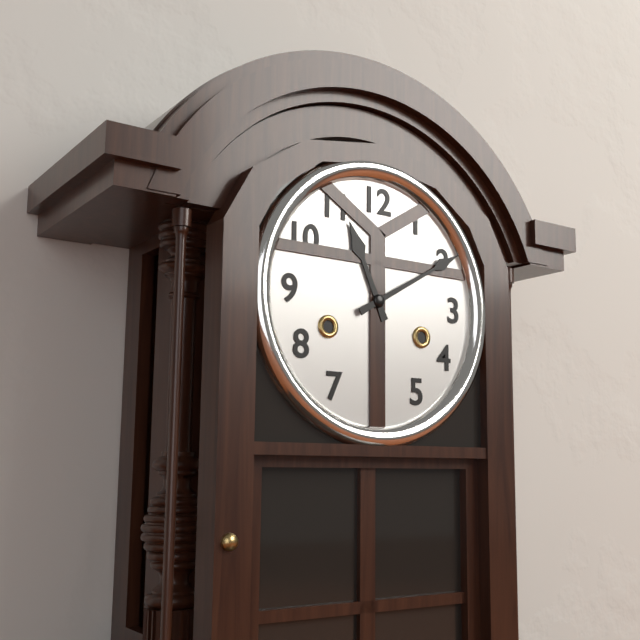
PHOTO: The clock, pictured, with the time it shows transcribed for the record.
11:10
